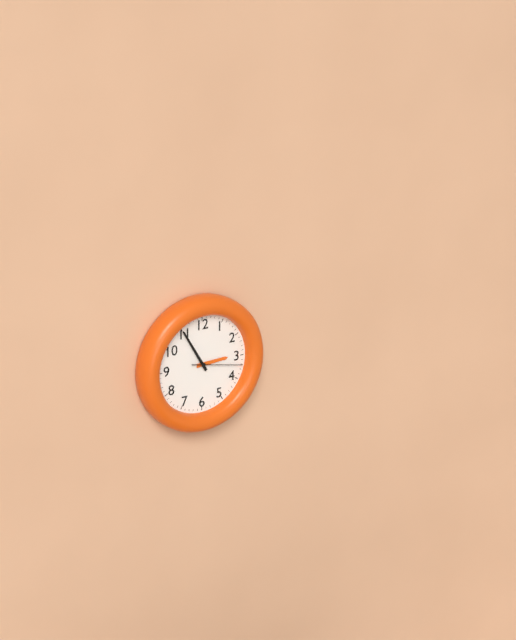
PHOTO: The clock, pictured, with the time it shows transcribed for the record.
2:55:17
